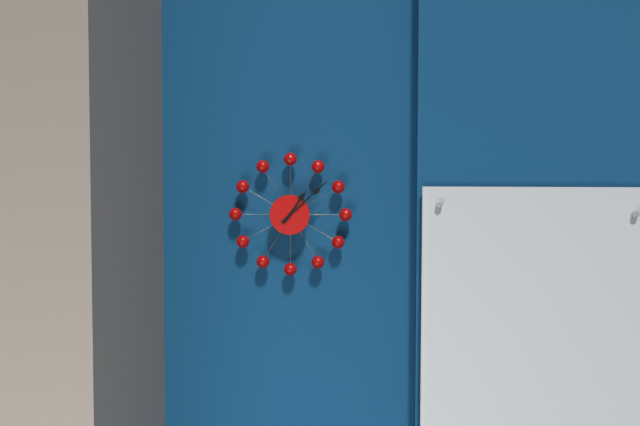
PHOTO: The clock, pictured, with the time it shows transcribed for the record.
1:08
